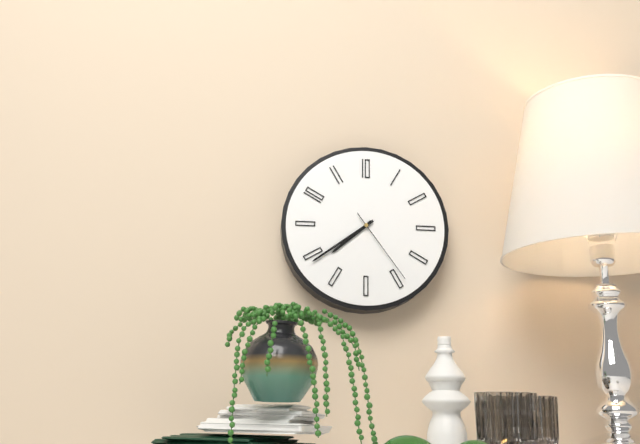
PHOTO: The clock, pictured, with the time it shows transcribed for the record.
7:39:24
